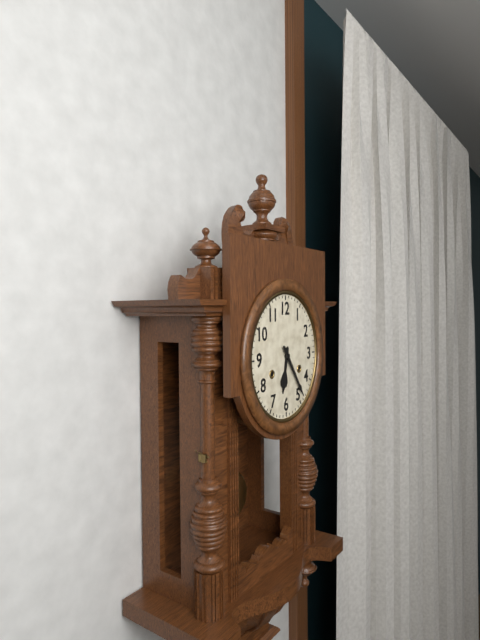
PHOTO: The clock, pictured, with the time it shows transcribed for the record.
6:24
